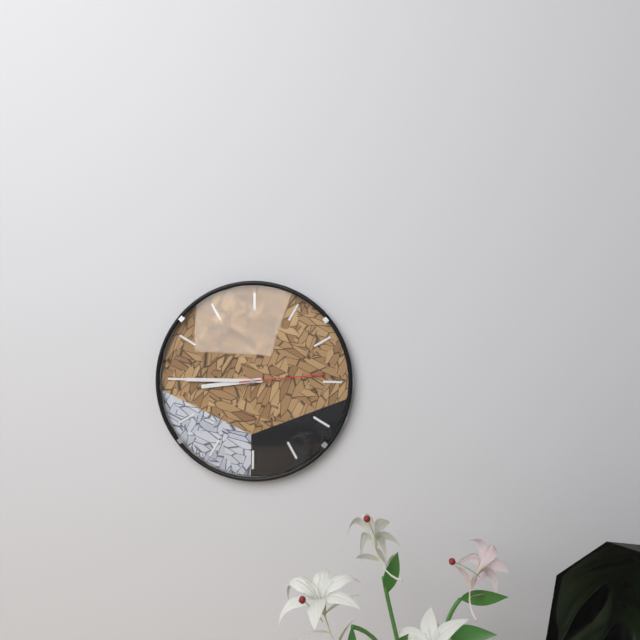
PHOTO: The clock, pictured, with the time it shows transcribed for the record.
8:45:14
